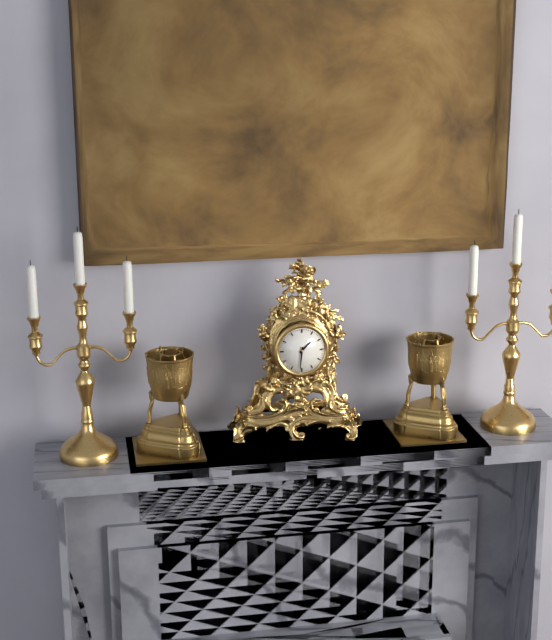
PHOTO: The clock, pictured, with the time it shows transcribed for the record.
1:31
